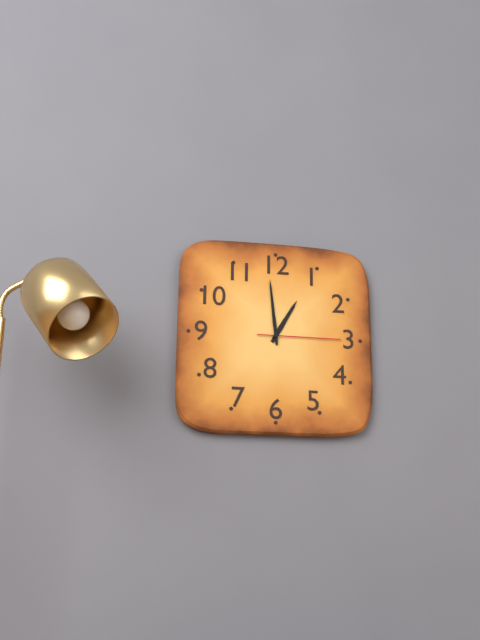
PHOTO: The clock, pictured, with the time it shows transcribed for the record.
12:59:15
